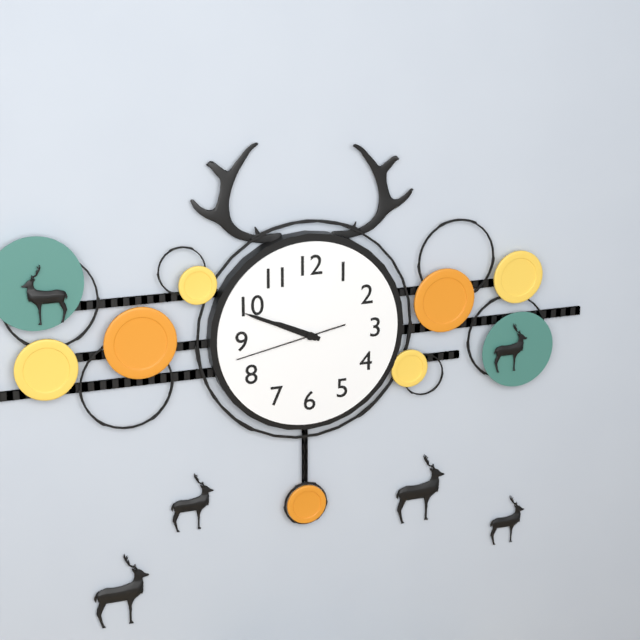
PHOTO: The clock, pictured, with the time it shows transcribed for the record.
9:49:43
